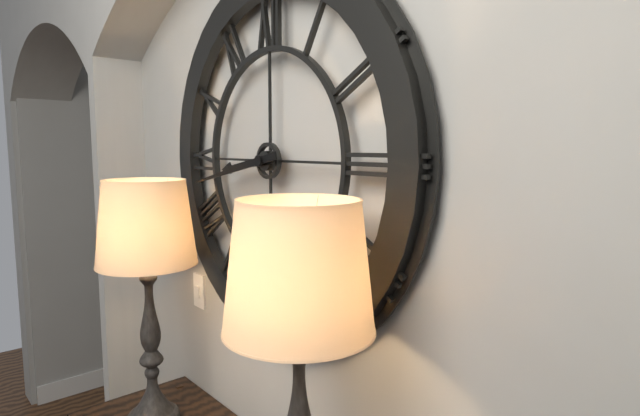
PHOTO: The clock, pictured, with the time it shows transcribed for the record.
8:43
